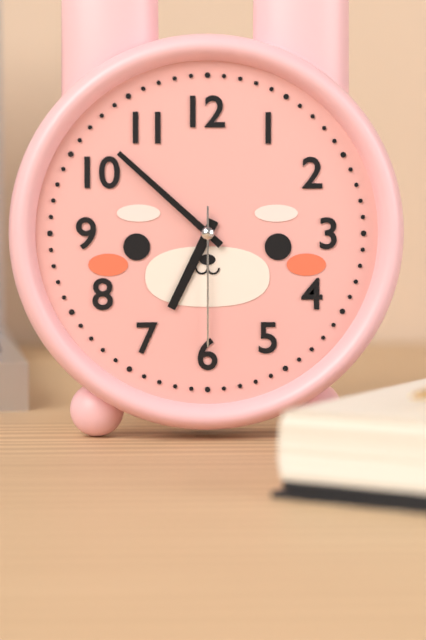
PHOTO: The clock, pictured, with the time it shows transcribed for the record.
6:52:30
